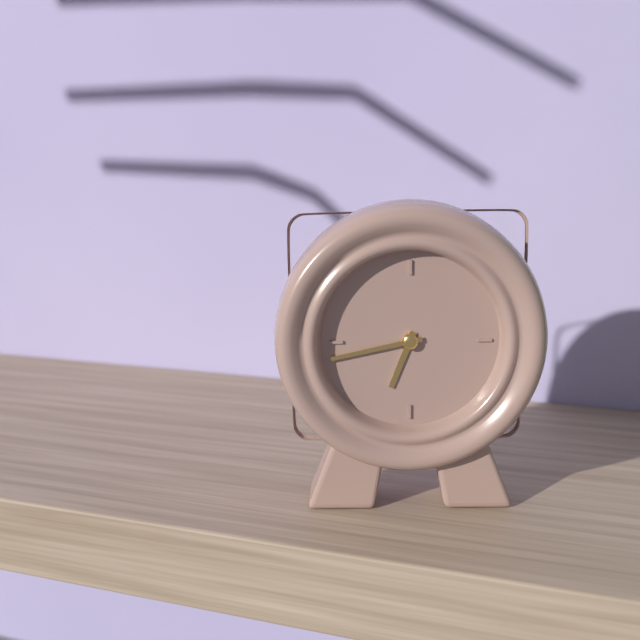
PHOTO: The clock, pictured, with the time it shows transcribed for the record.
6:43
